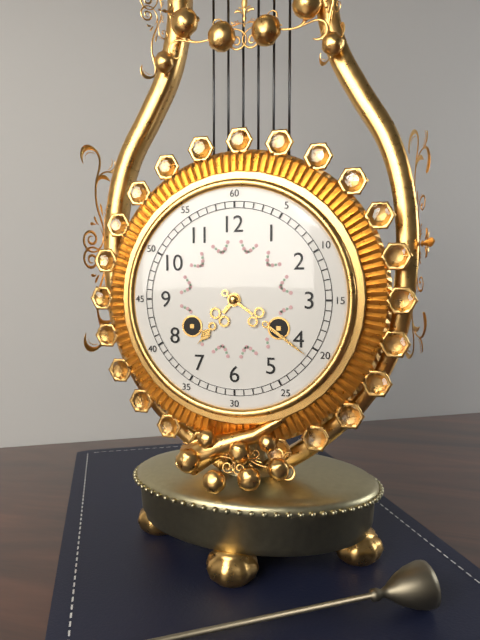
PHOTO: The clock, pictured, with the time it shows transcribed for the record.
7:21
